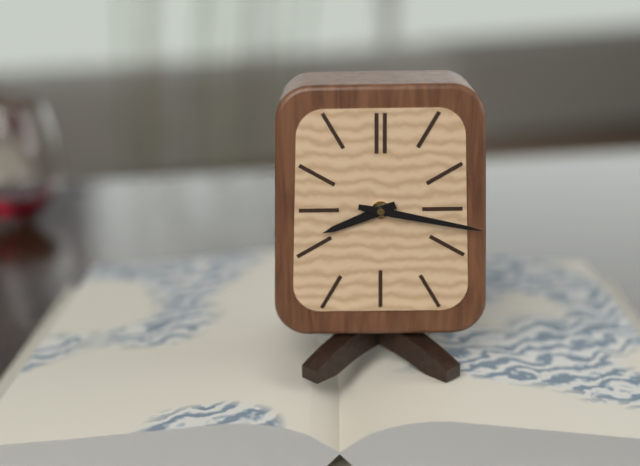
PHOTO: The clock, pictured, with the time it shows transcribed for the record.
8:17
